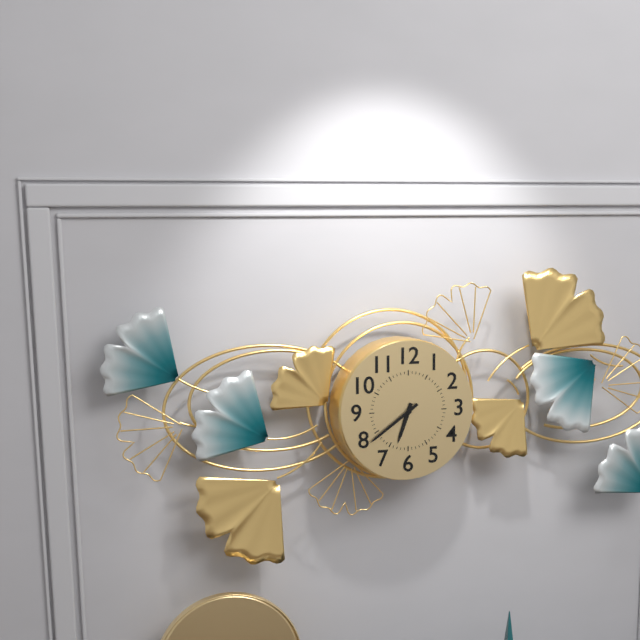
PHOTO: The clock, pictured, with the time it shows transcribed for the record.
6:39
